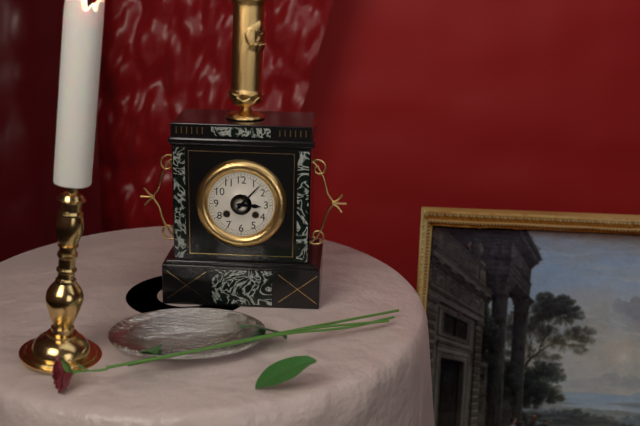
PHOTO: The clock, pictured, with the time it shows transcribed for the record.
3:07
